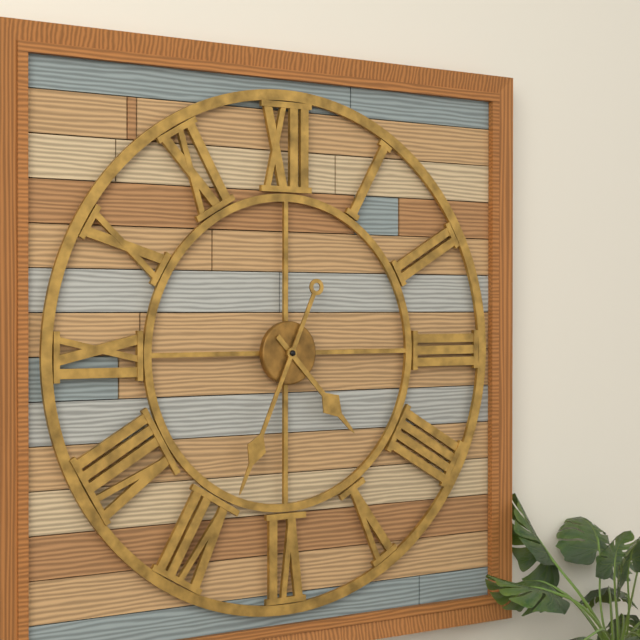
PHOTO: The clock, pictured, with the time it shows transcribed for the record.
4:34
